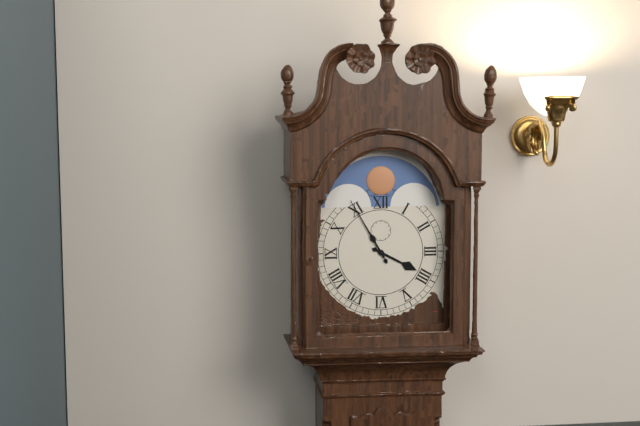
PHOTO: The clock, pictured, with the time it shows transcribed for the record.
3:55
